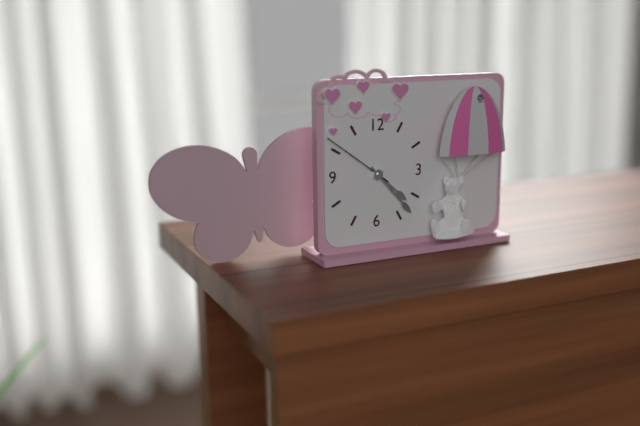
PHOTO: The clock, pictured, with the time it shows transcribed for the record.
4:23:51
